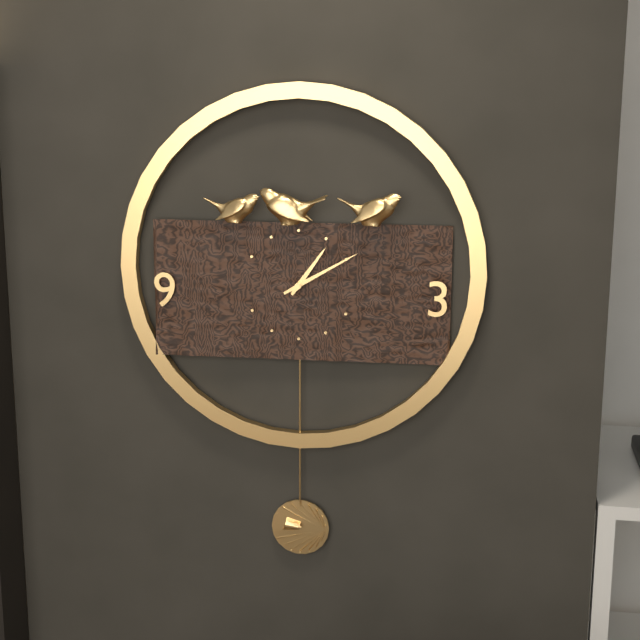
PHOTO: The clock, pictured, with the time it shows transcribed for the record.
1:10
